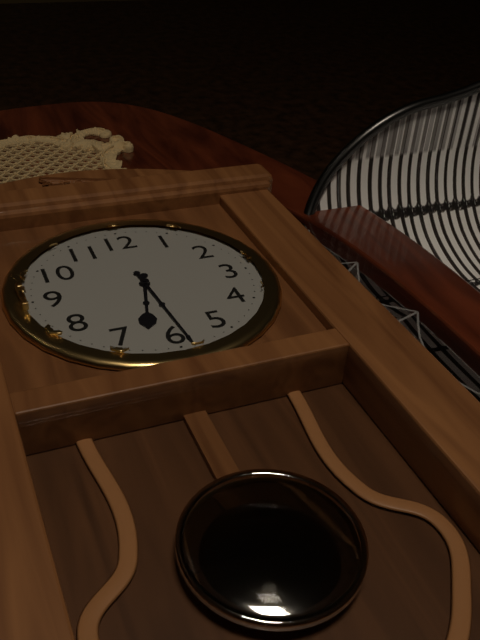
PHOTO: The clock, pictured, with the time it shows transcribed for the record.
6:29
